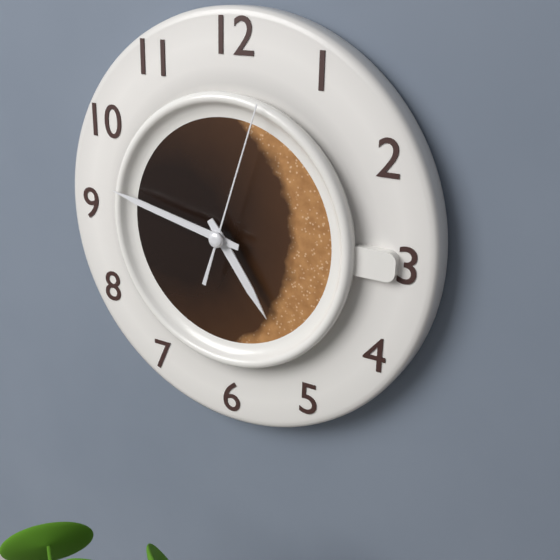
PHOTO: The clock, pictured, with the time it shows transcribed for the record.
4:47:03
